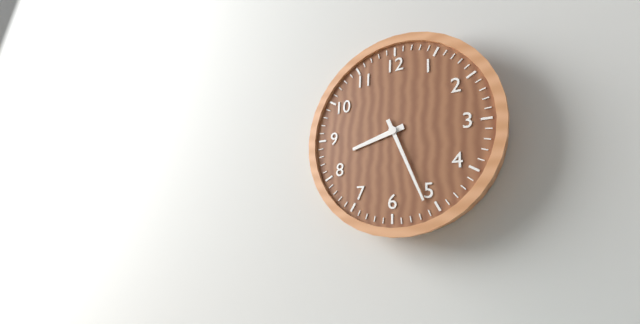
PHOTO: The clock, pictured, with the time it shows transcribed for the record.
8:26
